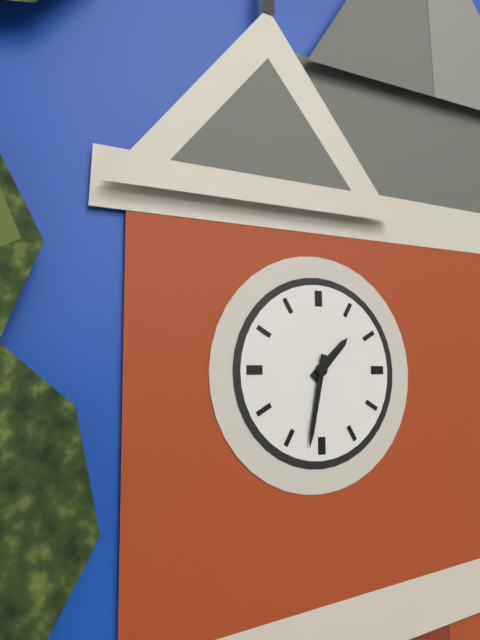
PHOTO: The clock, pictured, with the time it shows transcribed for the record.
1:32
